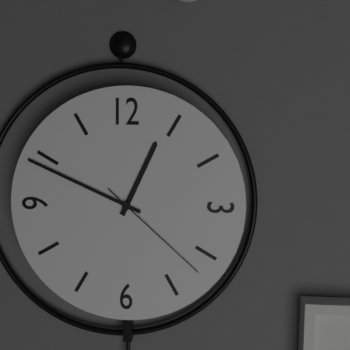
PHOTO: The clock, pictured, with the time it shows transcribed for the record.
12:49:22
